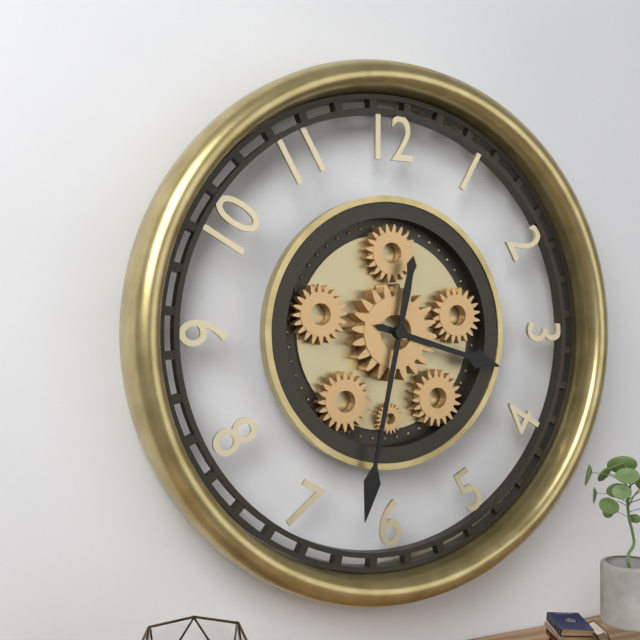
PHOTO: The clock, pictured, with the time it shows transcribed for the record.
3:32
